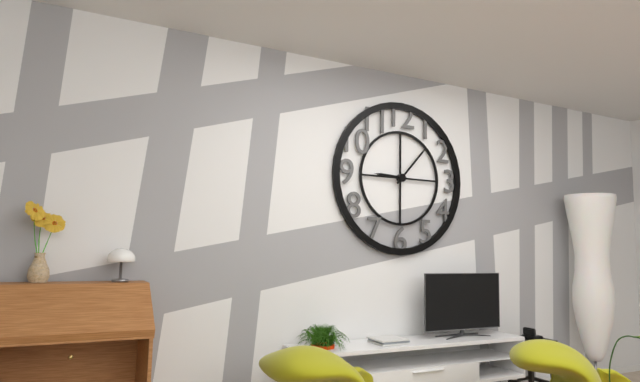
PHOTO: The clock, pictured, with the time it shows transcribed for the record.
9:07
